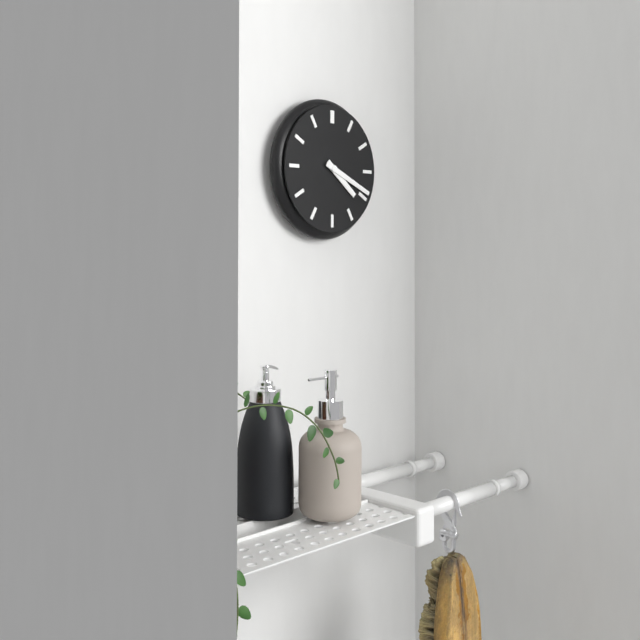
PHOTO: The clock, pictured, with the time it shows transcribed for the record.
4:19
